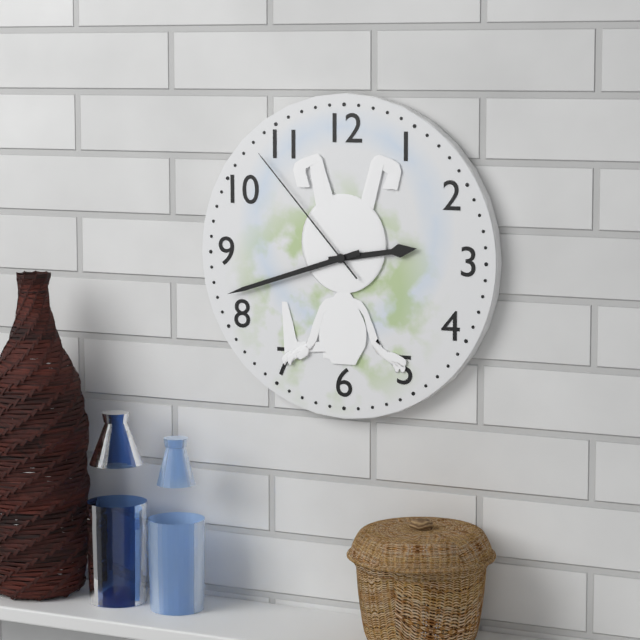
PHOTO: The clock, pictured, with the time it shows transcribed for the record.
2:42:53
